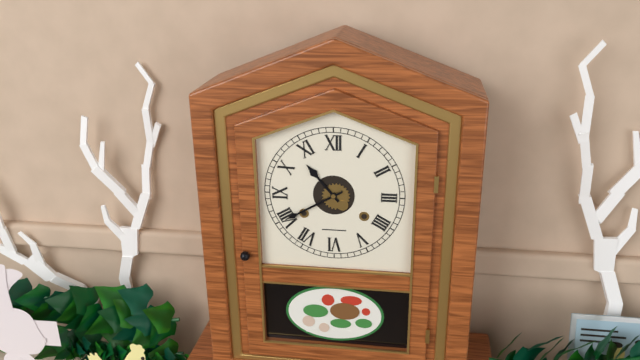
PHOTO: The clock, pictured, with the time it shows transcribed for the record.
10:40
